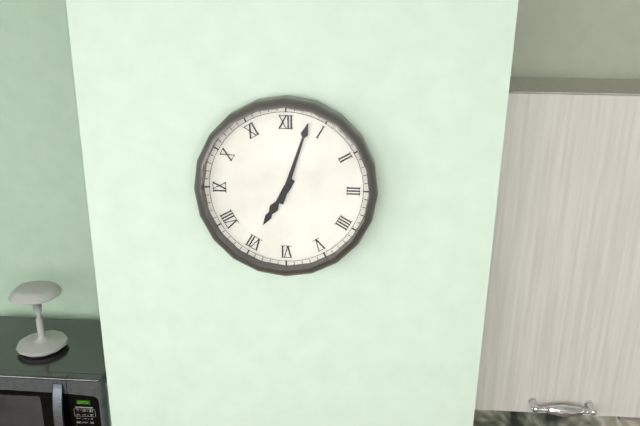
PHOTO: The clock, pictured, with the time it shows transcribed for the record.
7:03
